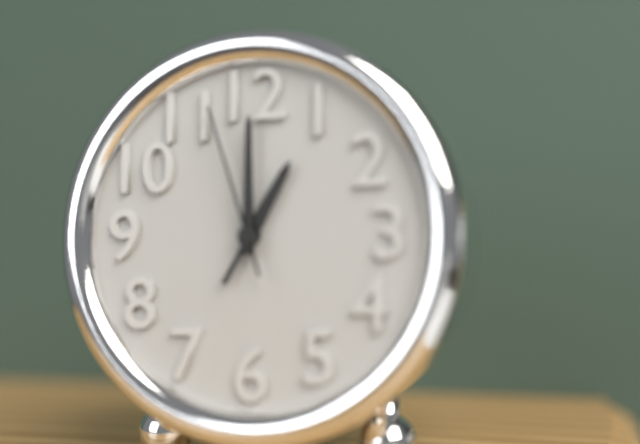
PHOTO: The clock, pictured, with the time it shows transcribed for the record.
1:00:57
